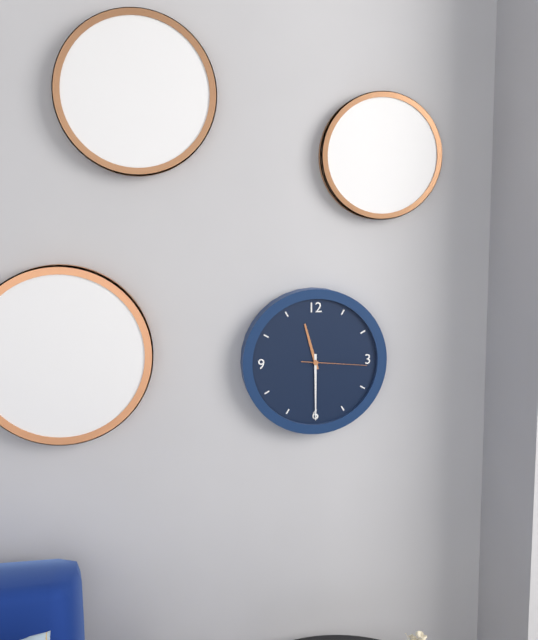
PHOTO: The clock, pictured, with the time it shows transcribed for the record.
11:30:16
